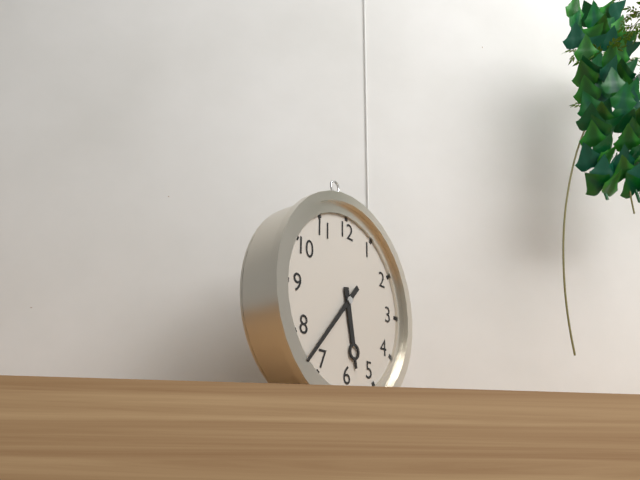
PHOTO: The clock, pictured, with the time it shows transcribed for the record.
5:37
